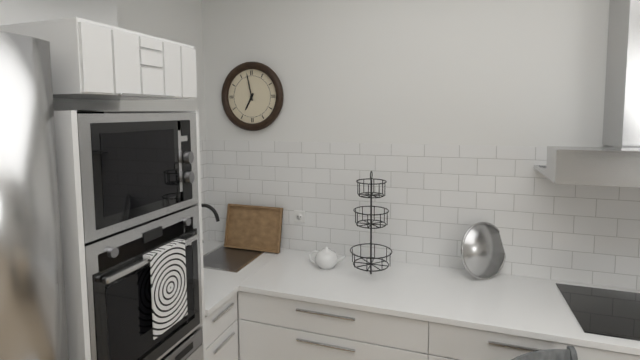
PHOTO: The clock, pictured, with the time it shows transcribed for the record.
6:58
